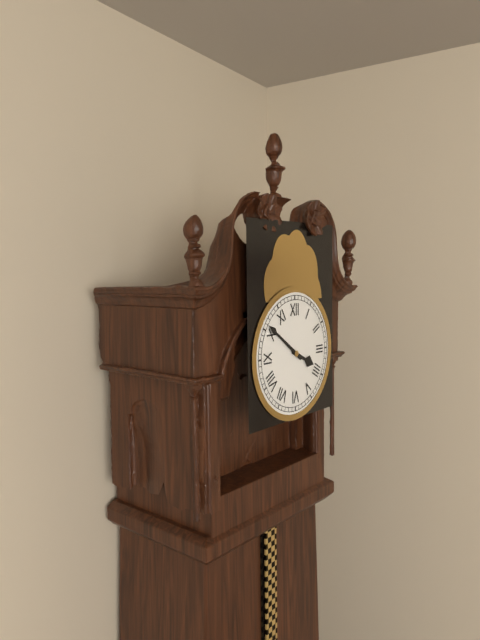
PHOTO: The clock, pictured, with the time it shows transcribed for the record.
3:51
